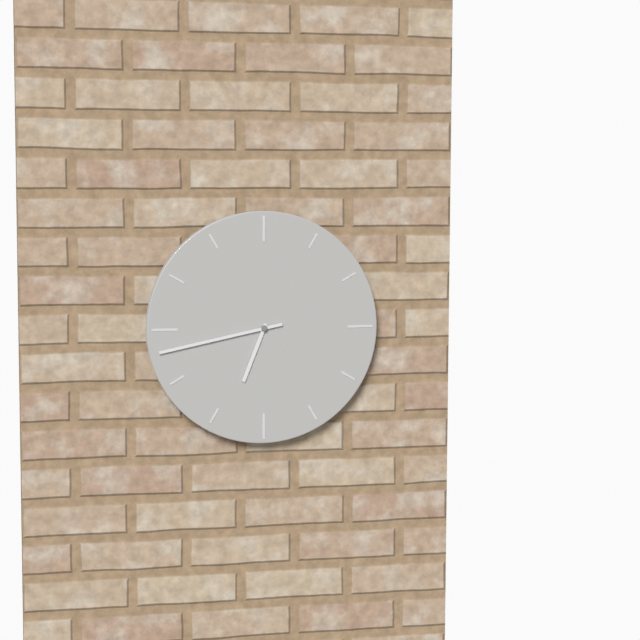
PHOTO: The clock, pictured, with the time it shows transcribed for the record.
6:43
